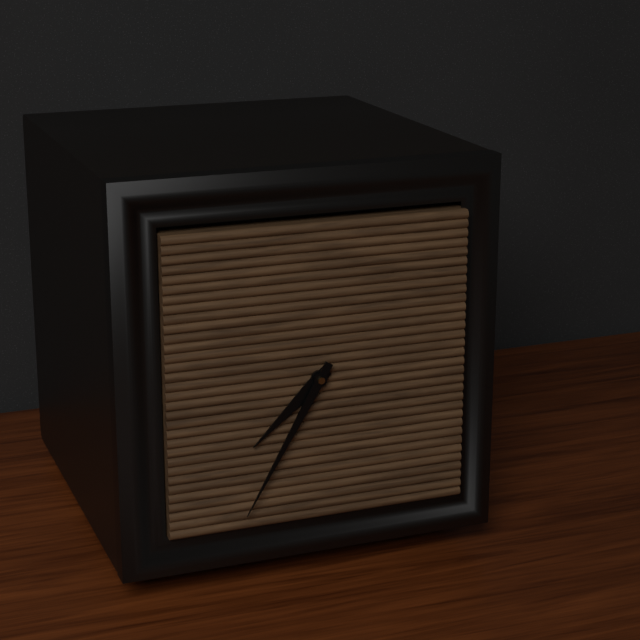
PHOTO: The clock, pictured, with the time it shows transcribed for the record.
7:35
